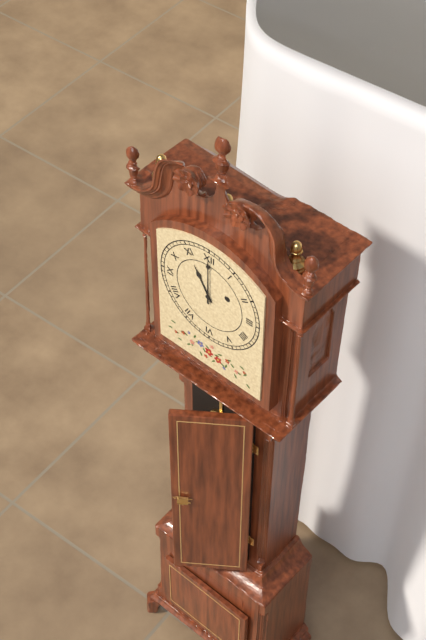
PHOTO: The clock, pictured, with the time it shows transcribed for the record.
11:00
